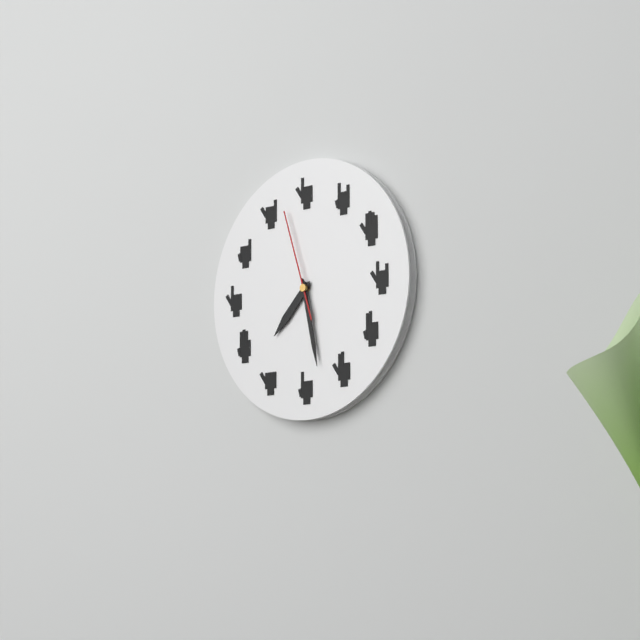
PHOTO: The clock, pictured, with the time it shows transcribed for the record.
7:28:57
